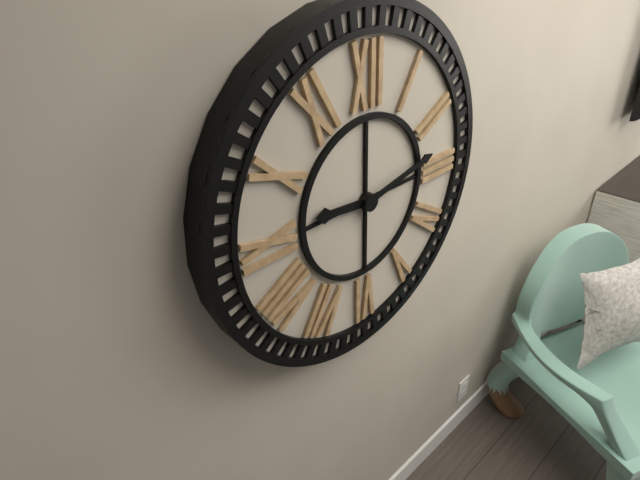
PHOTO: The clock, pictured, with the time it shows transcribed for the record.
9:13
